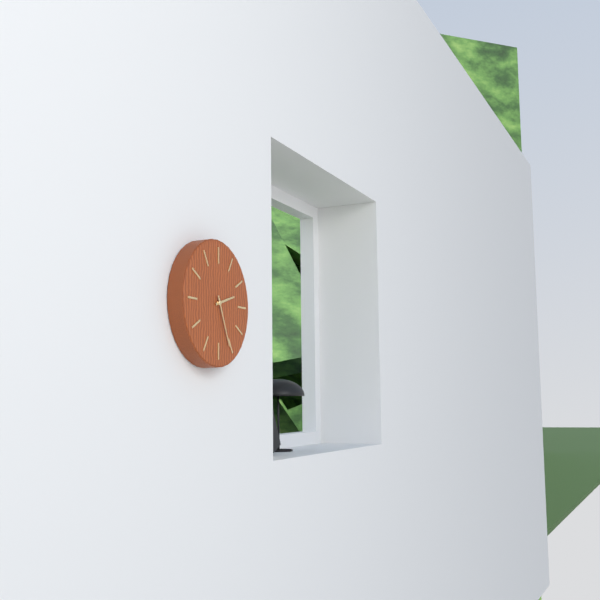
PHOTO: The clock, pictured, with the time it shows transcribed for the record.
2:26
